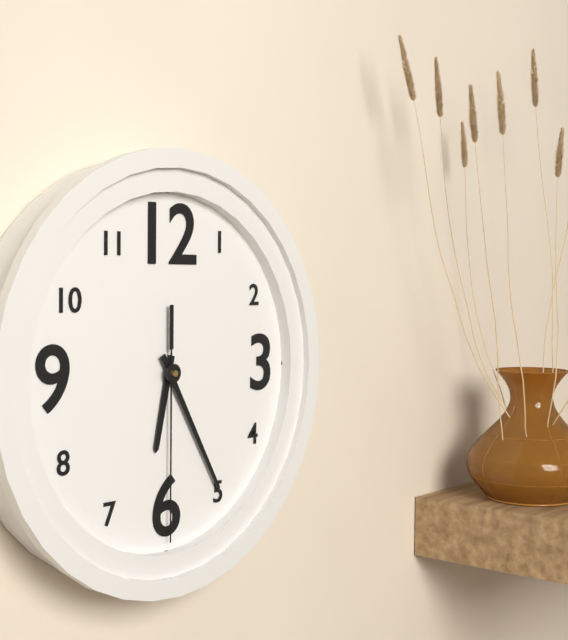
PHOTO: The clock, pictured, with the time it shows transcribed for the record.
6:25:30
